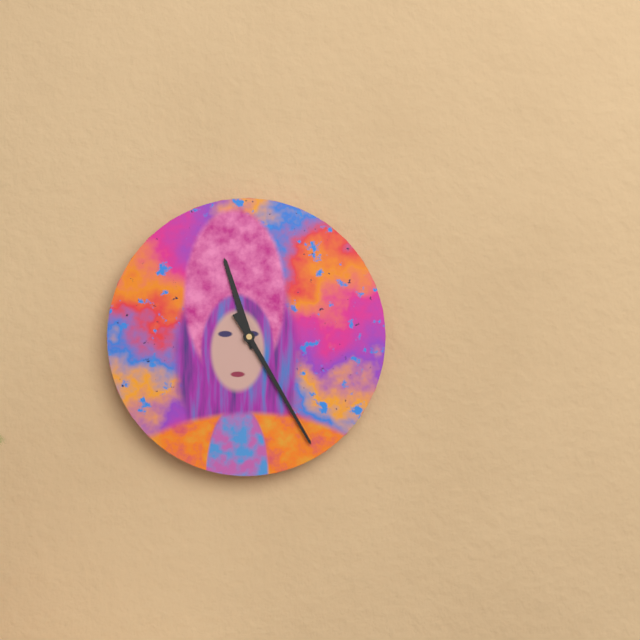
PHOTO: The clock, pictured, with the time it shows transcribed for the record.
11:25
